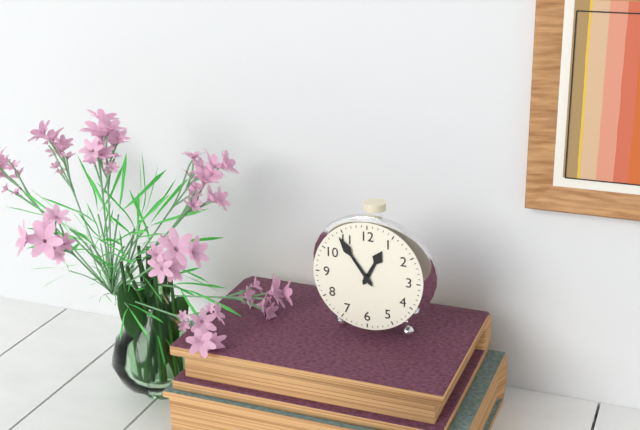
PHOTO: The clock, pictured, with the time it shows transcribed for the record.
12:54
